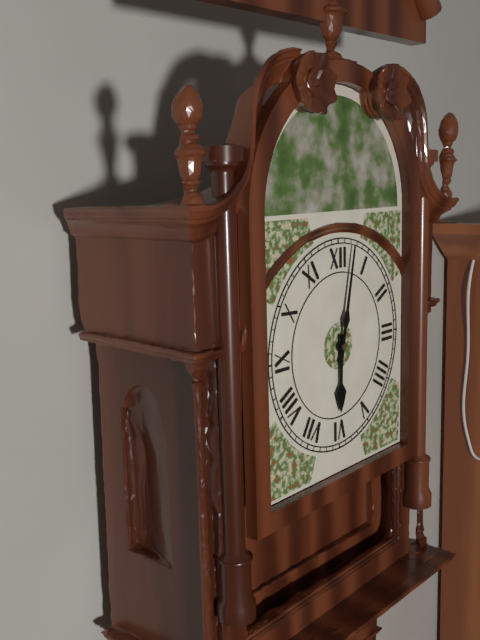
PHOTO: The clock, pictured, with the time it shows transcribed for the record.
6:02
